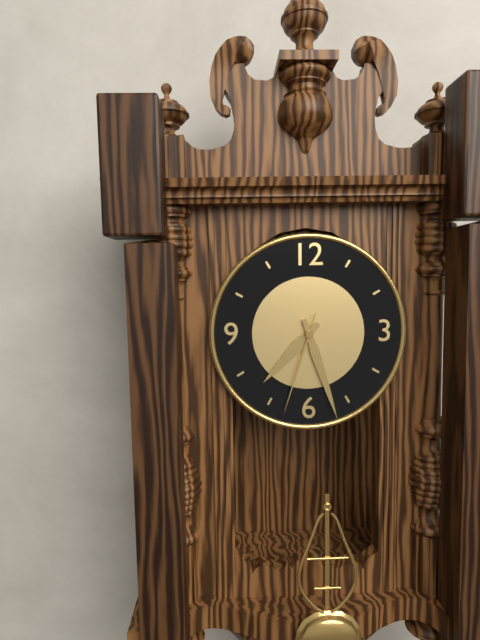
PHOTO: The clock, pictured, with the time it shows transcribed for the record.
7:27:33
